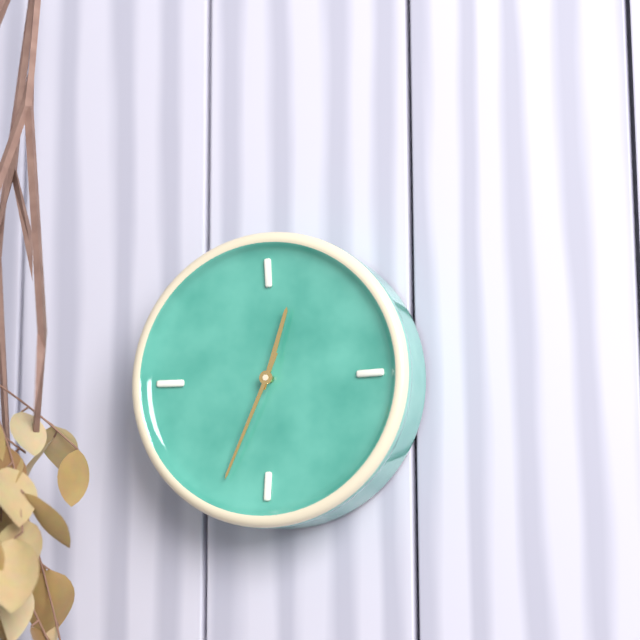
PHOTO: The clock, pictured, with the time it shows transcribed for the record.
12:34
